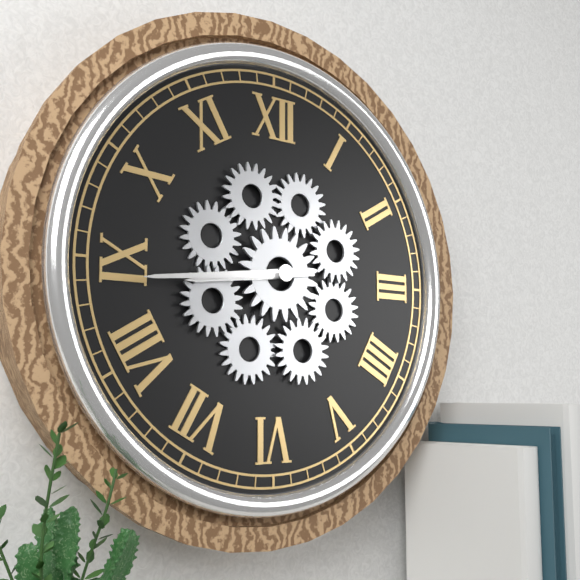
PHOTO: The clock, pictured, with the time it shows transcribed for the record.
8:44
